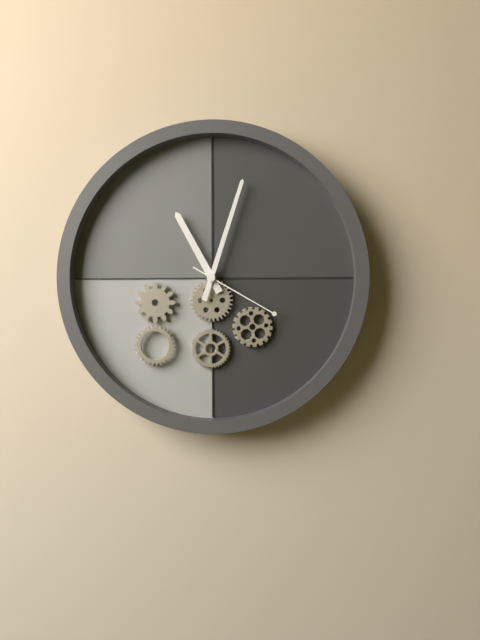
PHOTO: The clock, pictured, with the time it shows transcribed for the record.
11:03:20
